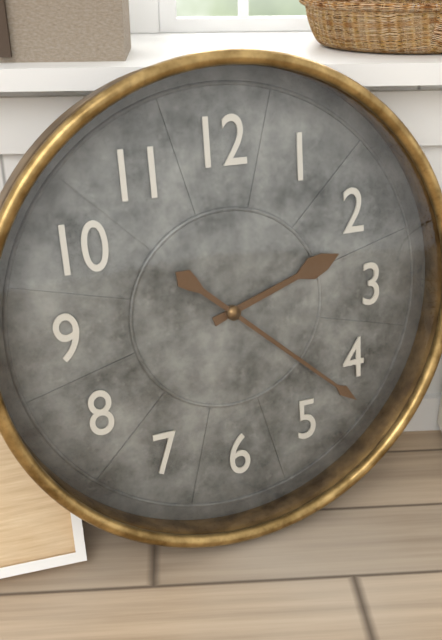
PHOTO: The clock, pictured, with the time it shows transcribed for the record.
2:22
